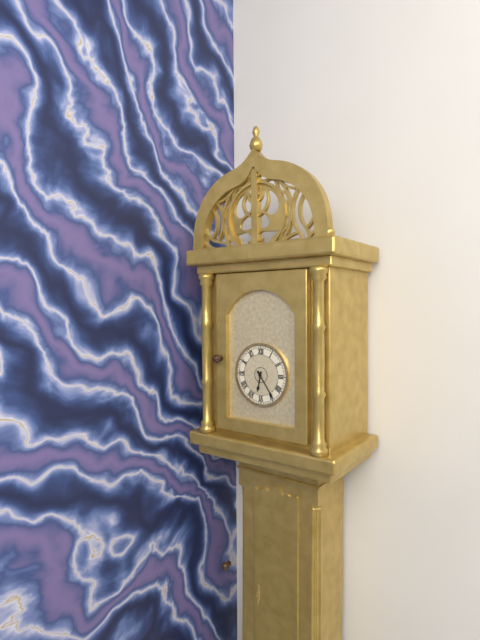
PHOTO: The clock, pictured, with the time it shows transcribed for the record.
6:24
